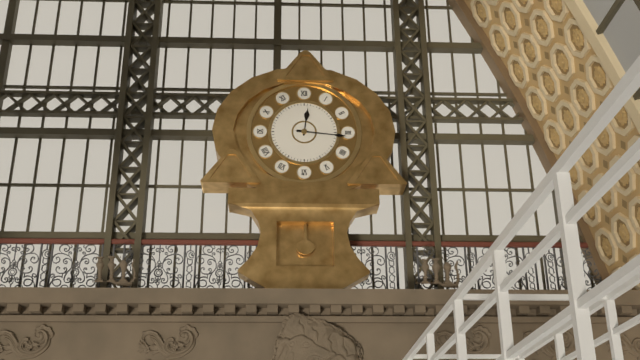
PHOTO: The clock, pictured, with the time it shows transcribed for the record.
12:16
